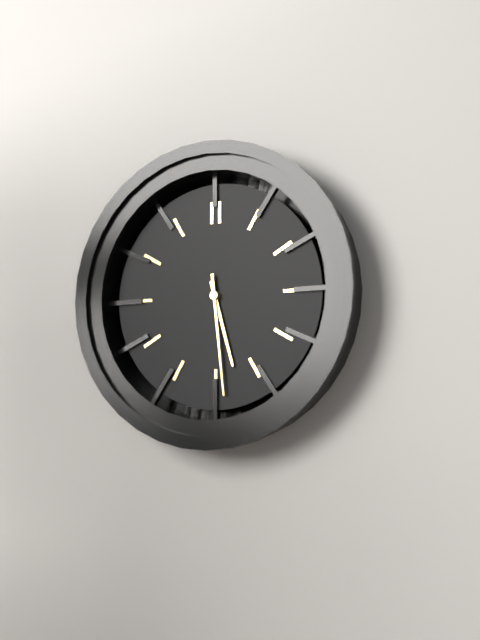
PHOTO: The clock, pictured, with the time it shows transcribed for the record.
5:29
